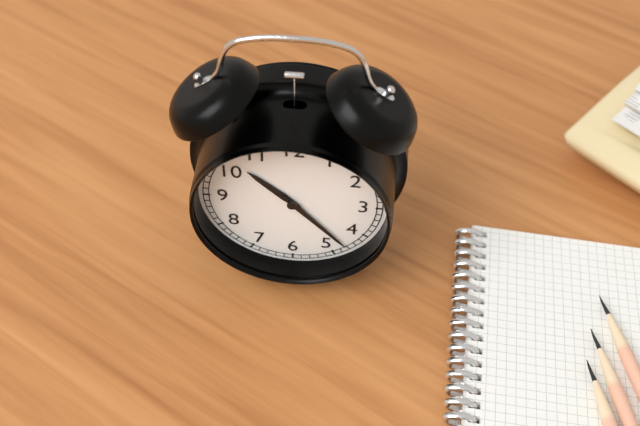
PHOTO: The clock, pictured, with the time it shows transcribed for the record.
10:23
